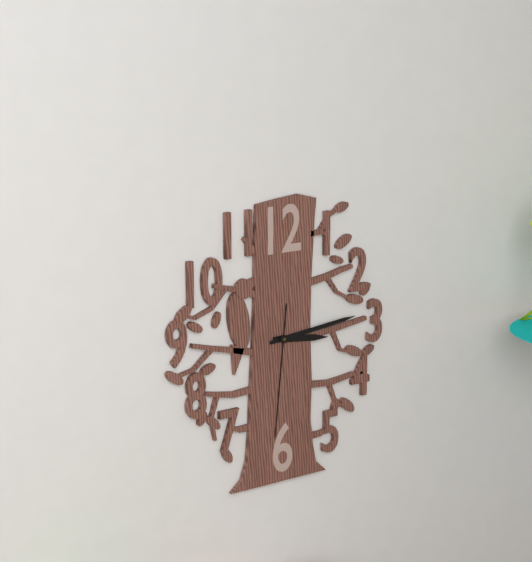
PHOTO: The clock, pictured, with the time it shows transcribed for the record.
3:14:31
